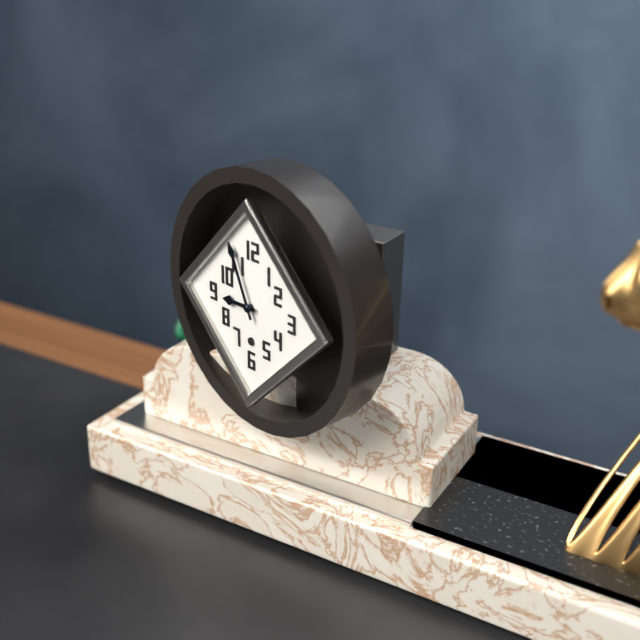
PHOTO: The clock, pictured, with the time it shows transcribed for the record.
8:56
